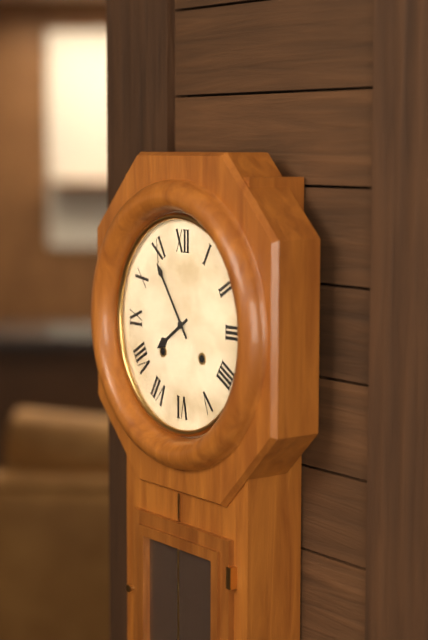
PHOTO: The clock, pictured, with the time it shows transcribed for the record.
7:54
